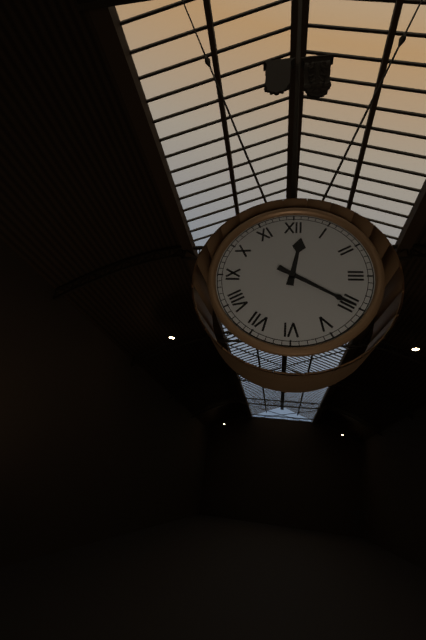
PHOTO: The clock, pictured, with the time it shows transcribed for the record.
12:20
